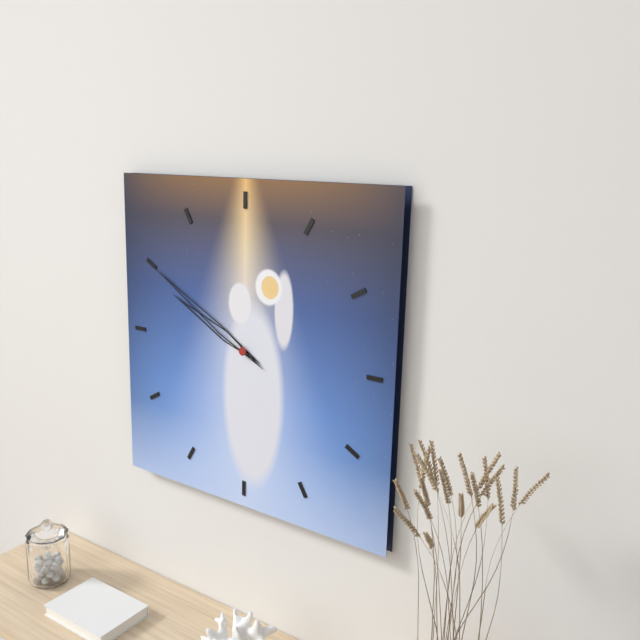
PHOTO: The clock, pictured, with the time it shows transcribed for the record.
9:50
